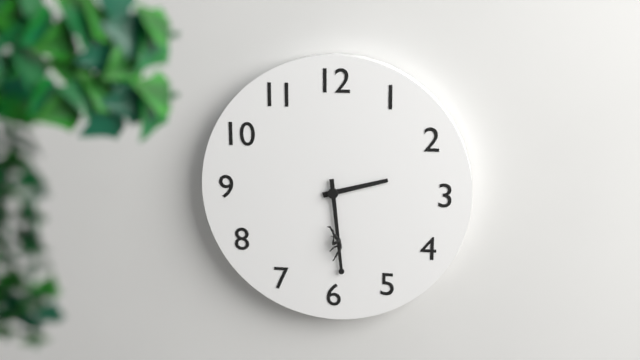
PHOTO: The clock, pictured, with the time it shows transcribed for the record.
2:29
